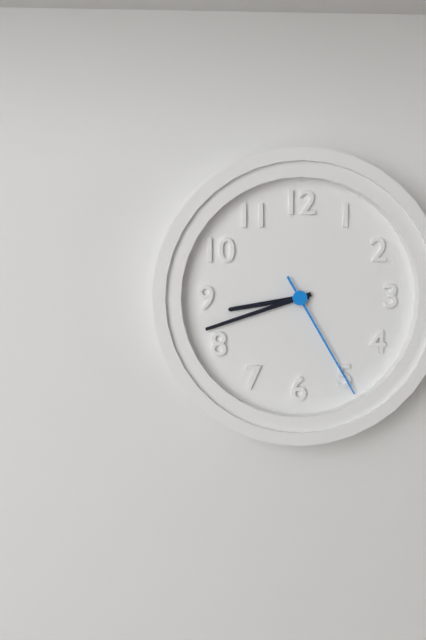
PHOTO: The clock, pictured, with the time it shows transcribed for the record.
8:42:25
